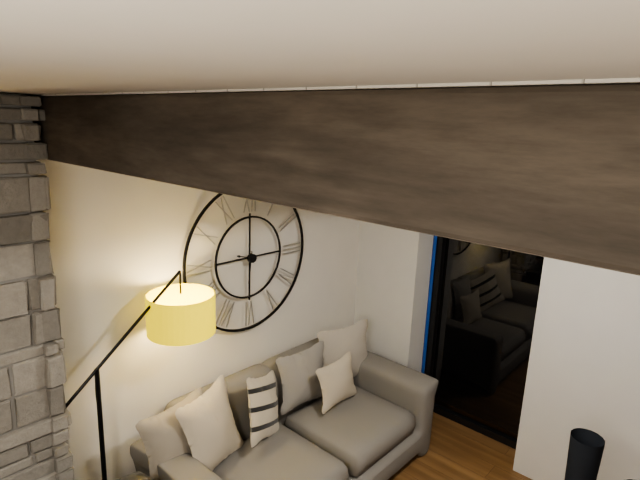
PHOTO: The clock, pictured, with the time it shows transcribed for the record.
9:31
